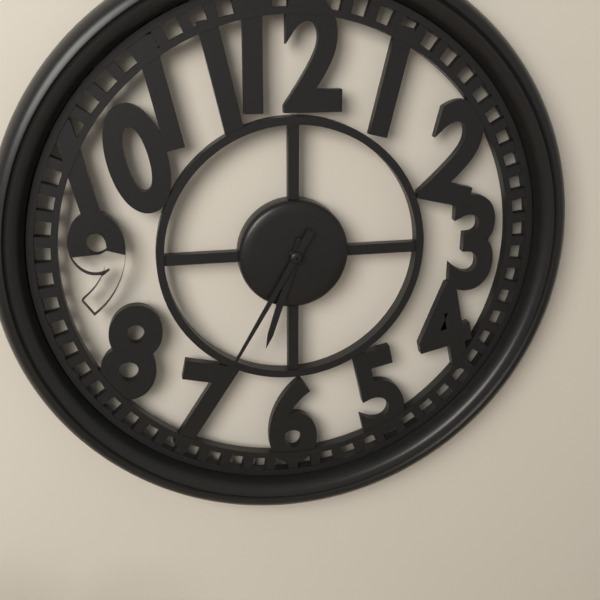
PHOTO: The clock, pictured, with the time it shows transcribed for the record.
6:35
